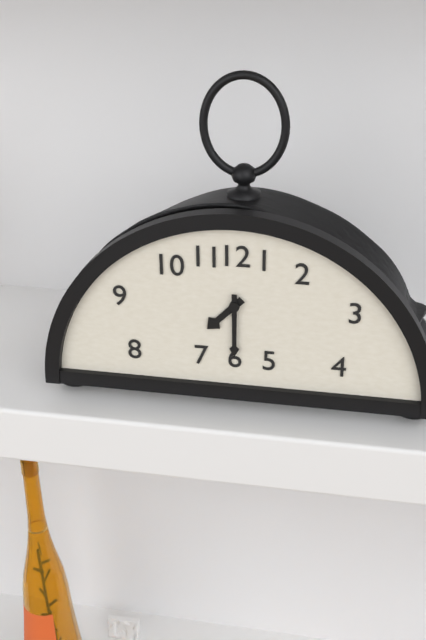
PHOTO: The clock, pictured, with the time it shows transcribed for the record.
7:30
